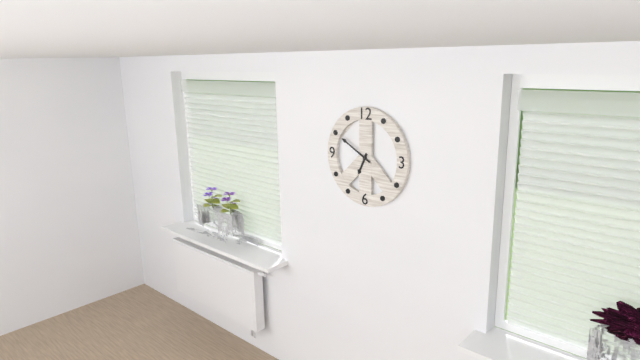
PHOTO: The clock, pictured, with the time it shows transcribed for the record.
6:50
